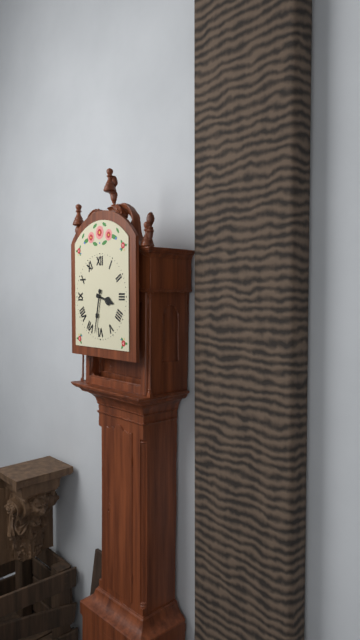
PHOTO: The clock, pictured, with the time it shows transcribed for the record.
3:32
